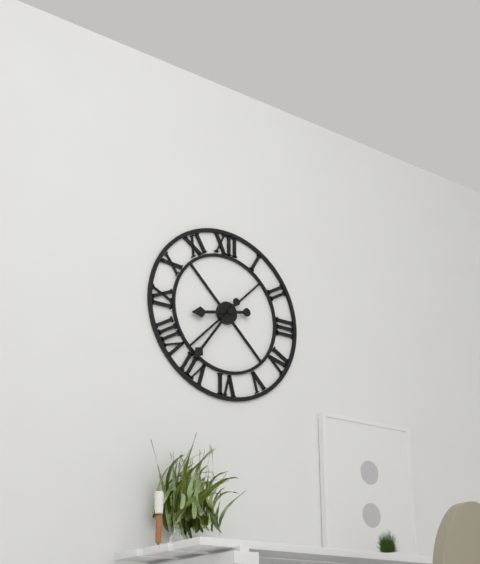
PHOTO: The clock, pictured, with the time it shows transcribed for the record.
8:36
